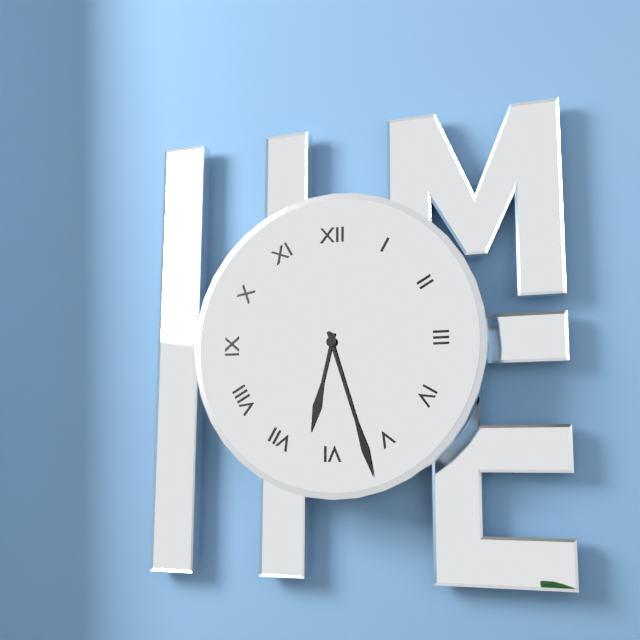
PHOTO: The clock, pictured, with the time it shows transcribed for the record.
6:27
